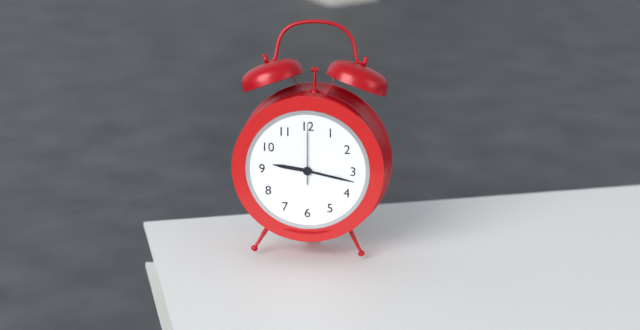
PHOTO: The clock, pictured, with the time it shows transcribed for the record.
9:17:00
